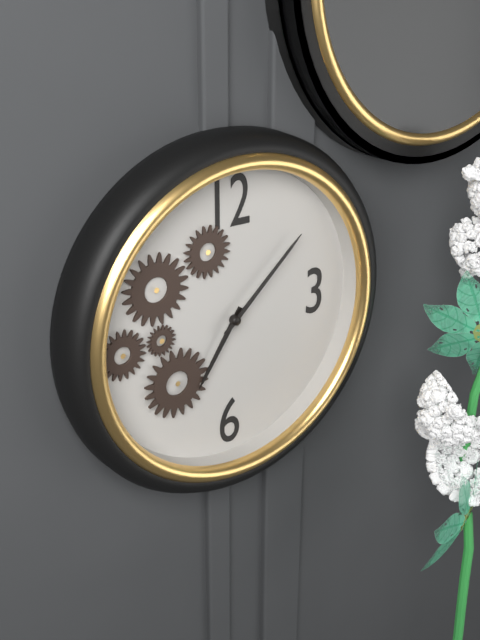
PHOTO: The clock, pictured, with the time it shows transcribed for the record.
7:08
